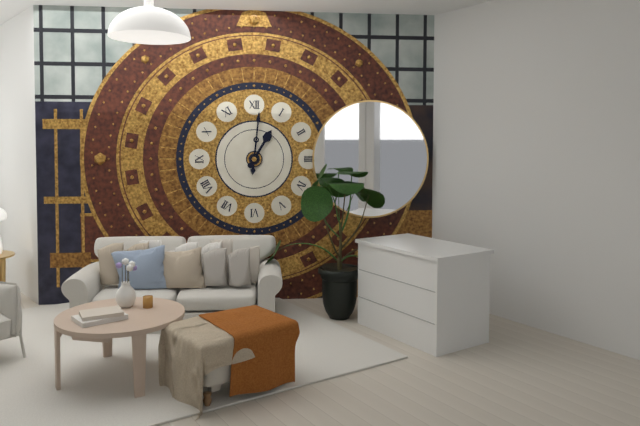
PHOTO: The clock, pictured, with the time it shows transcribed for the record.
1:01
